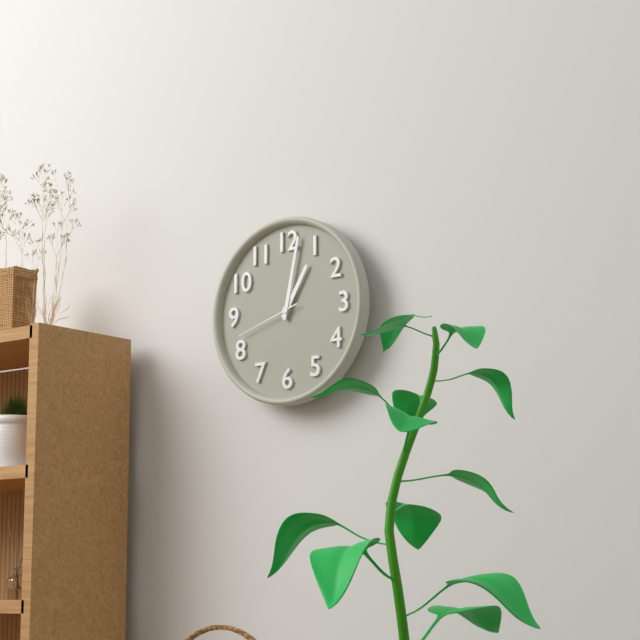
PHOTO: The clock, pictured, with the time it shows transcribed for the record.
1:02:42
